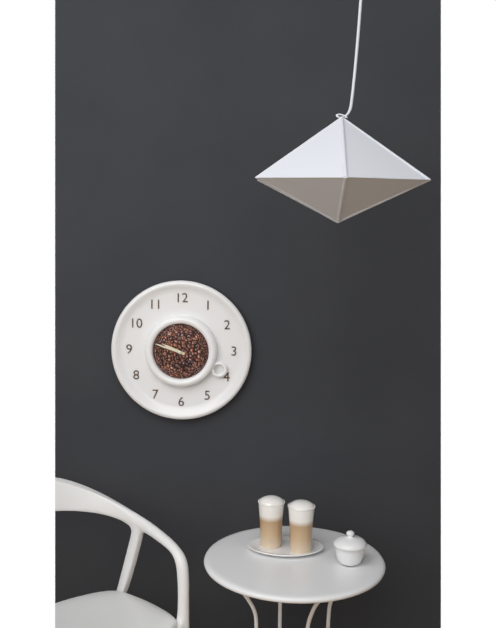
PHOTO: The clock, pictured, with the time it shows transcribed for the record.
9:48
